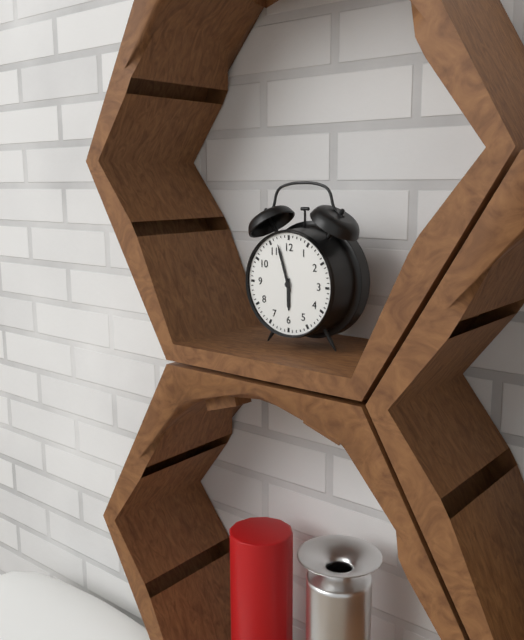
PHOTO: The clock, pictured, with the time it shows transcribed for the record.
5:57
